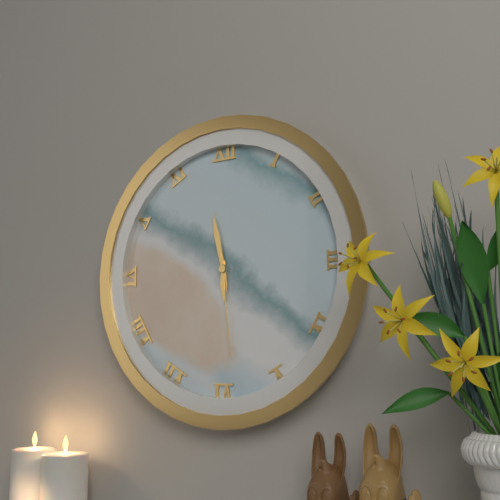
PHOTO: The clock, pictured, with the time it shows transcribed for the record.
5:58:29
